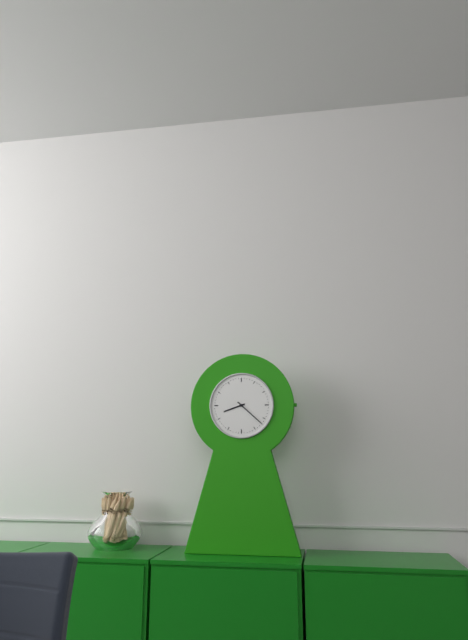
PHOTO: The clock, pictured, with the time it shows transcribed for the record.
8:22
